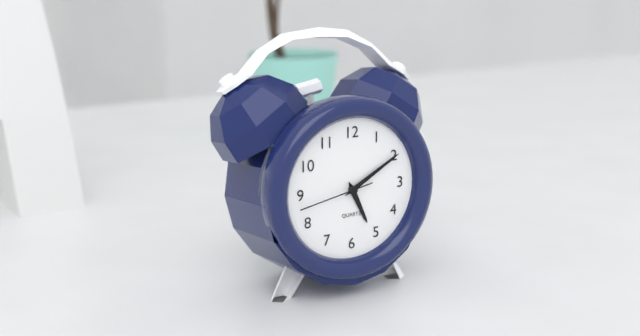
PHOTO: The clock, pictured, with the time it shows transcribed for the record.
5:10:43
